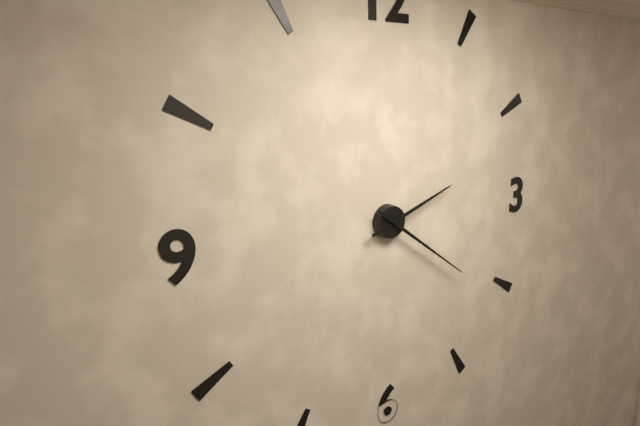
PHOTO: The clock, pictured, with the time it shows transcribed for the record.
2:21
